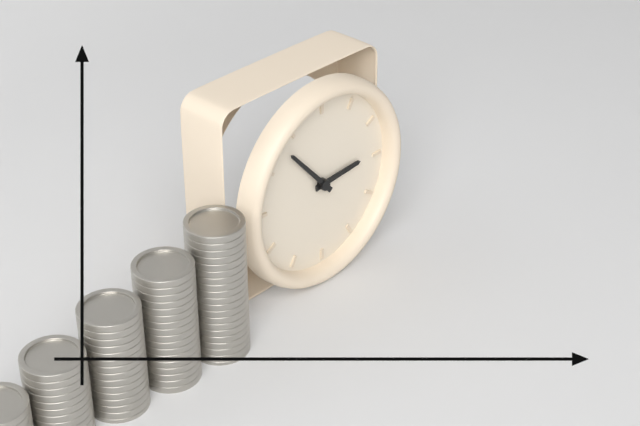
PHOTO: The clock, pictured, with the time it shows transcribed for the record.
2:53
